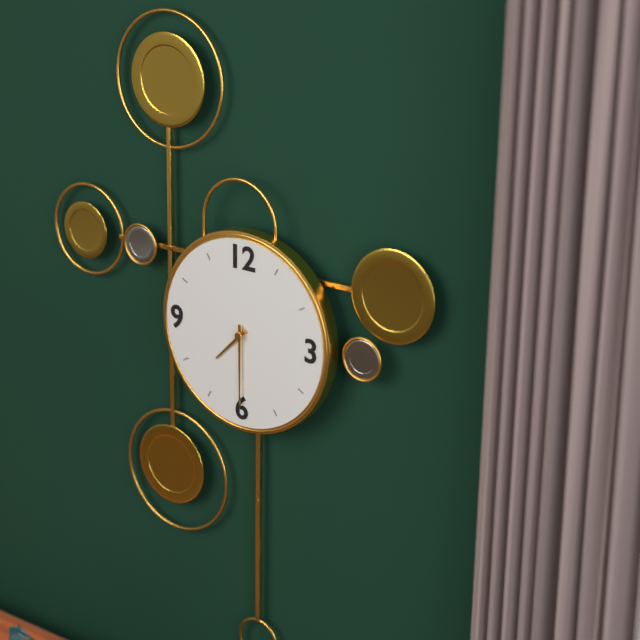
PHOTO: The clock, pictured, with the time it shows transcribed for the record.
7:30
